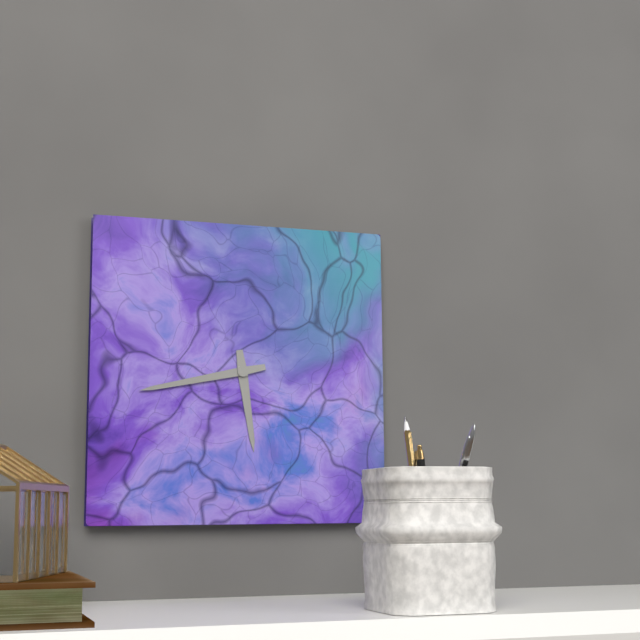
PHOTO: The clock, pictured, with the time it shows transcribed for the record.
5:43
